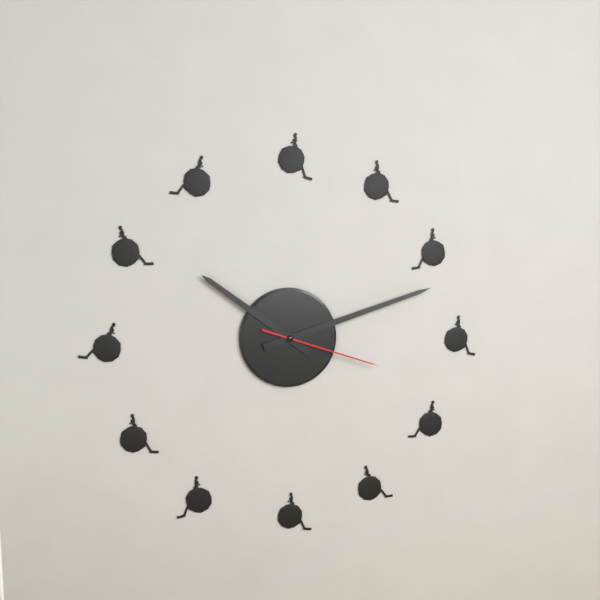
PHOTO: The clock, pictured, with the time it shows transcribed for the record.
10:12:18
